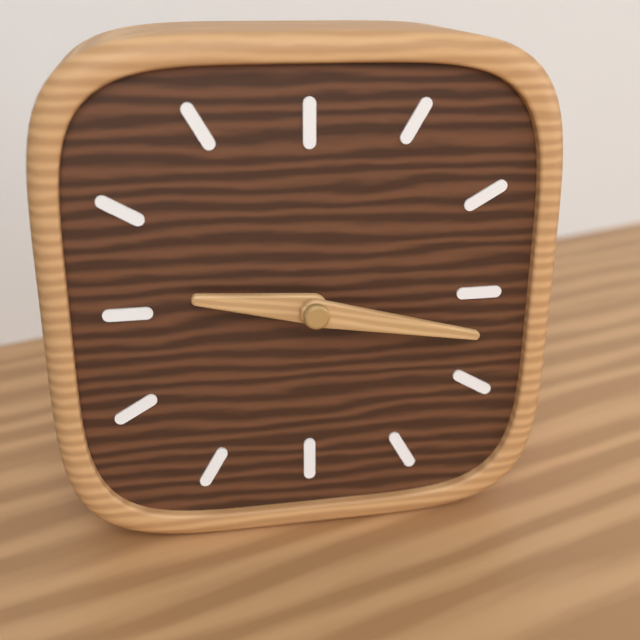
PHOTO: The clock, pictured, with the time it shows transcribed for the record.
9:17
